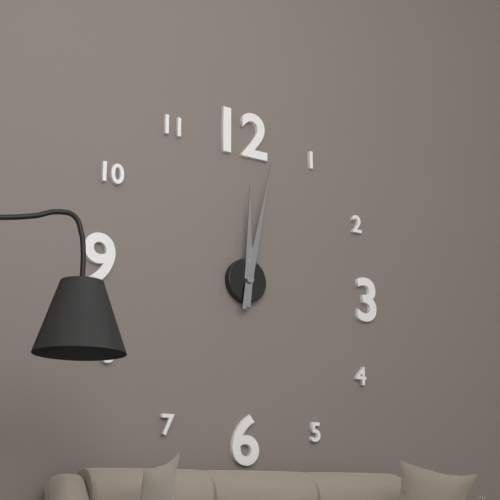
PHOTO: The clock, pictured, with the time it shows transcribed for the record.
12:02
